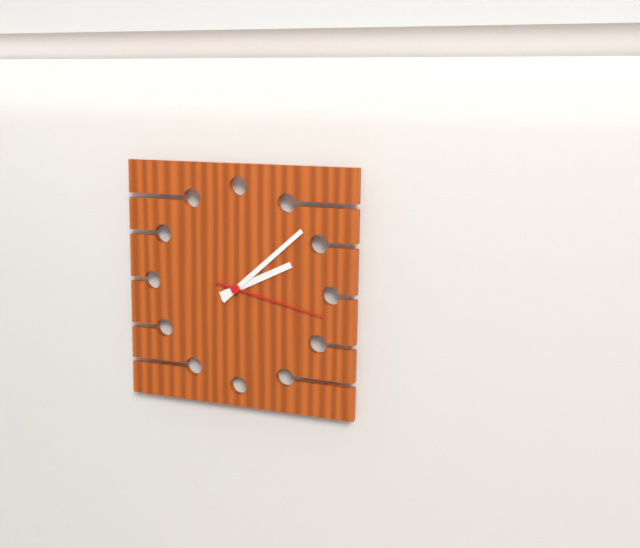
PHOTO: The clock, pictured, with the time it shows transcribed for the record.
2:08:17
